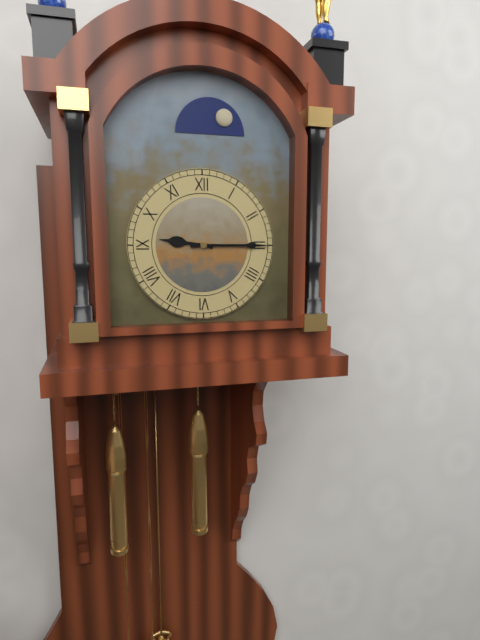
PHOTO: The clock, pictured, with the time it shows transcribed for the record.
9:15
